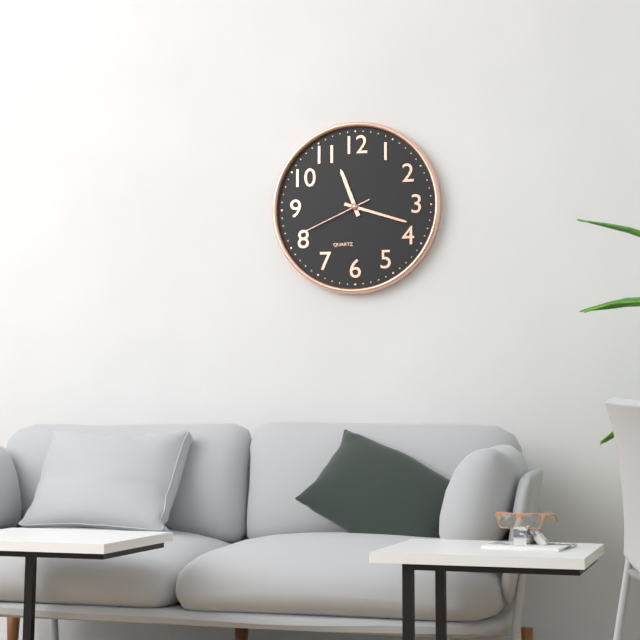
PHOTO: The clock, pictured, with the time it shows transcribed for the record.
11:18:41
